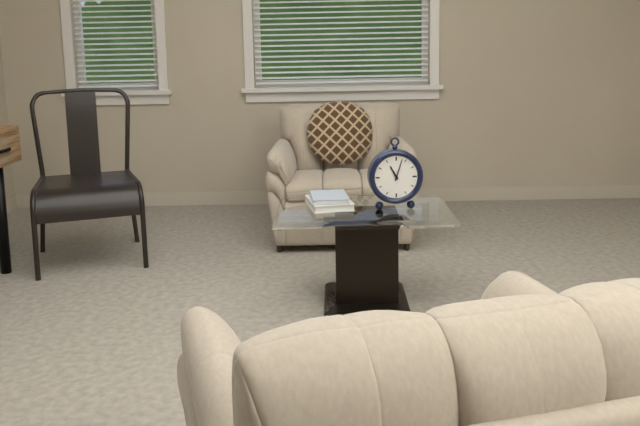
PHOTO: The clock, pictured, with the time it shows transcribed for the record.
11:03
